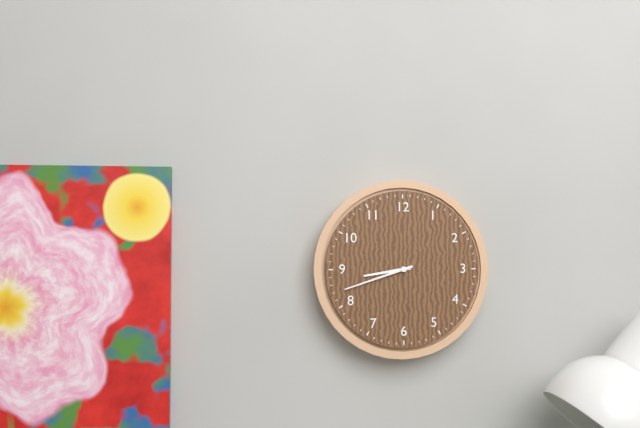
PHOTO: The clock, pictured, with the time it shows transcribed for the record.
8:42
